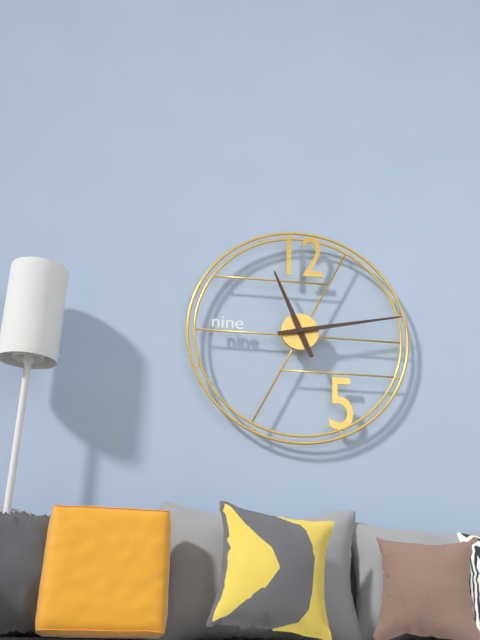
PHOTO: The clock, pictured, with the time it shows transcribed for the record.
11:13
